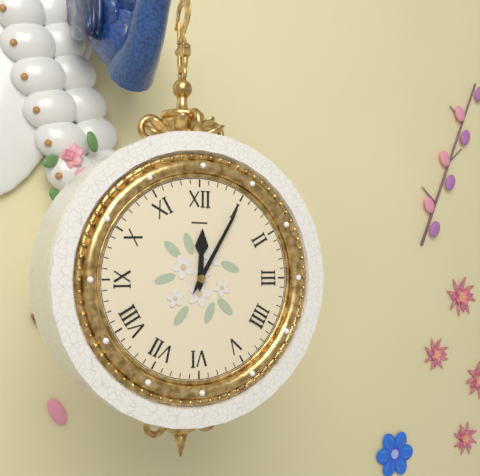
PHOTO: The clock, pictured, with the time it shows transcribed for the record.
12:05
